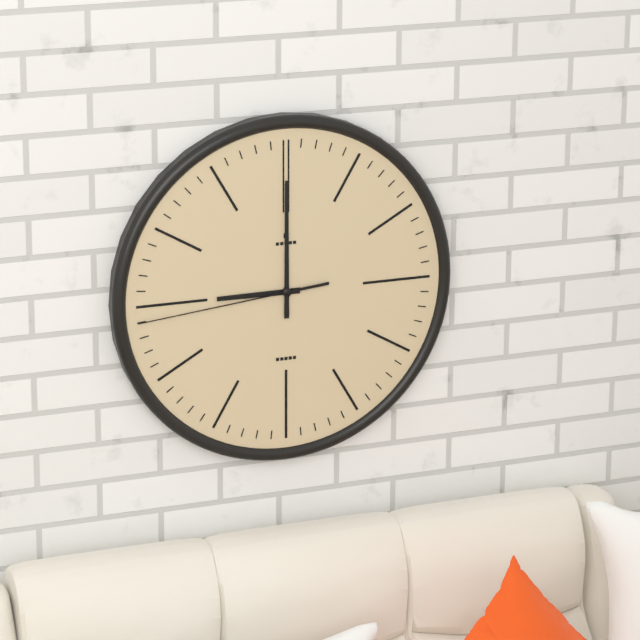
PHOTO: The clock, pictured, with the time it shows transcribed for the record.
9:00:44
